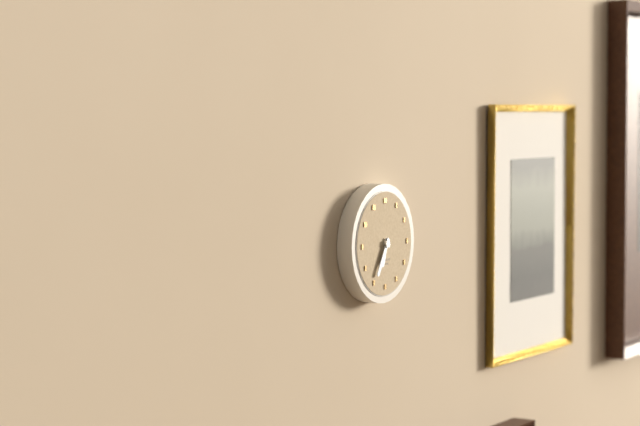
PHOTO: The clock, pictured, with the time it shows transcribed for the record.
6:35
